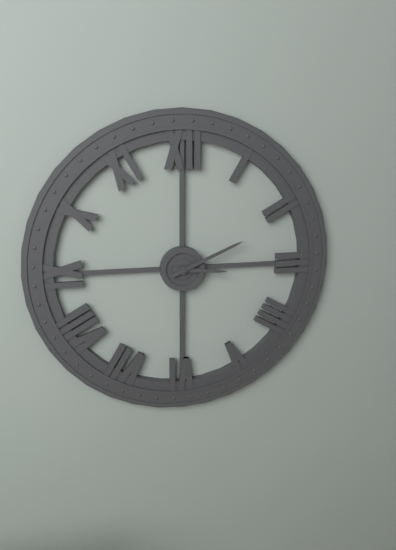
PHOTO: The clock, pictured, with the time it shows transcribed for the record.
3:11
